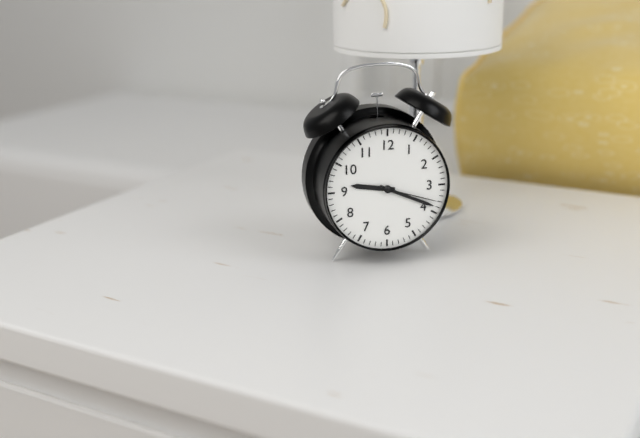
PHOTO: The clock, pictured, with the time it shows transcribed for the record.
9:19:18
